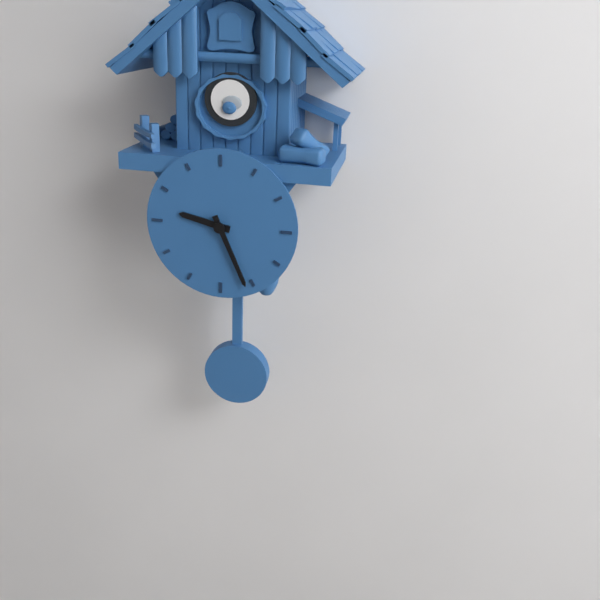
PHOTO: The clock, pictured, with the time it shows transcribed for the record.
9:26
